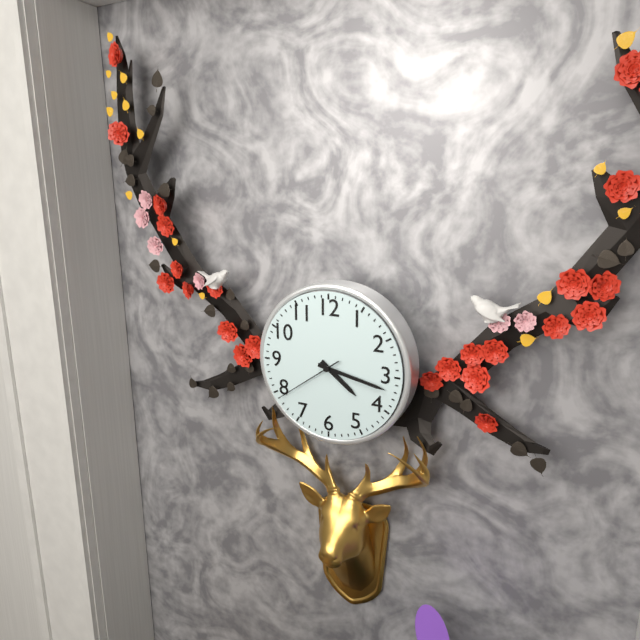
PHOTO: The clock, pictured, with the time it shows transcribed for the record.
4:17:39
